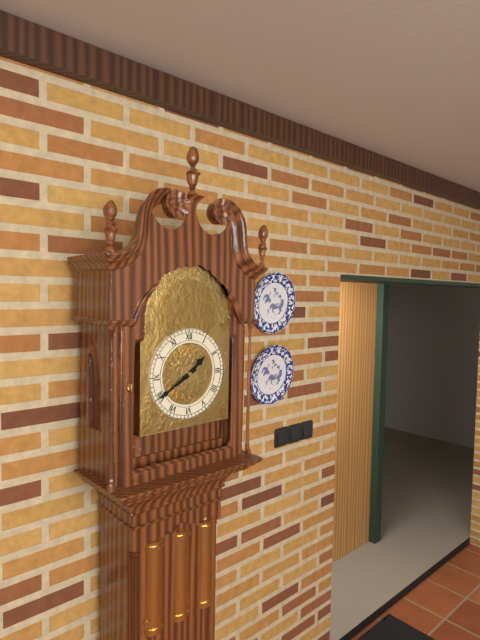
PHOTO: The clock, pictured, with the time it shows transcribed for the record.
1:40
